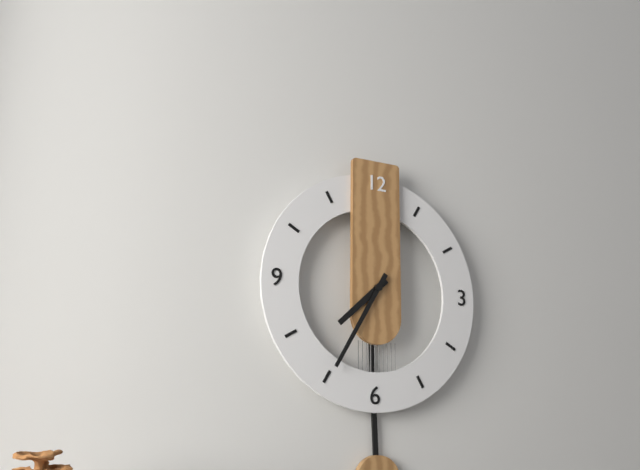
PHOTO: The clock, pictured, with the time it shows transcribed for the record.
7:35
